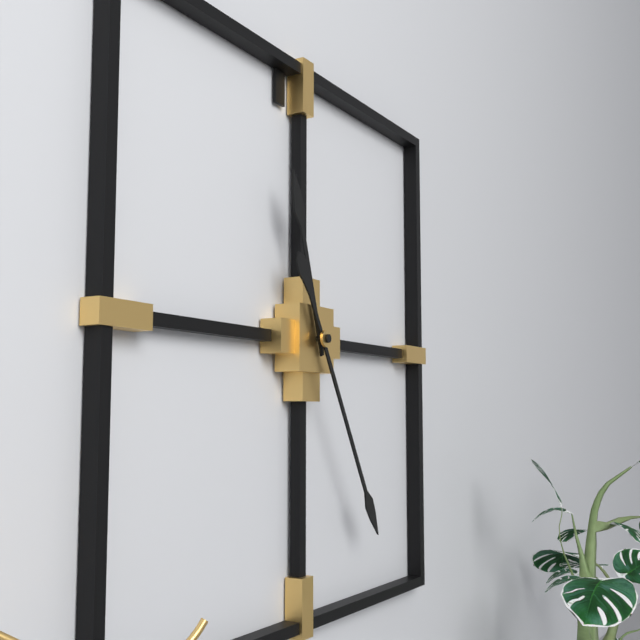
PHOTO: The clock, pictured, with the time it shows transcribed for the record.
11:25
